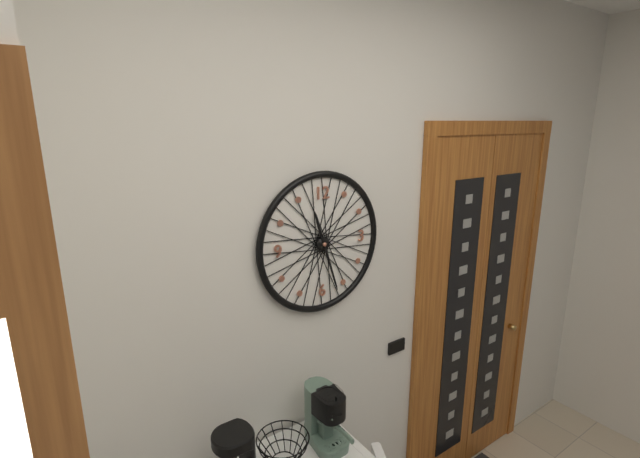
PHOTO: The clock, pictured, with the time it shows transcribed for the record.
11:27
